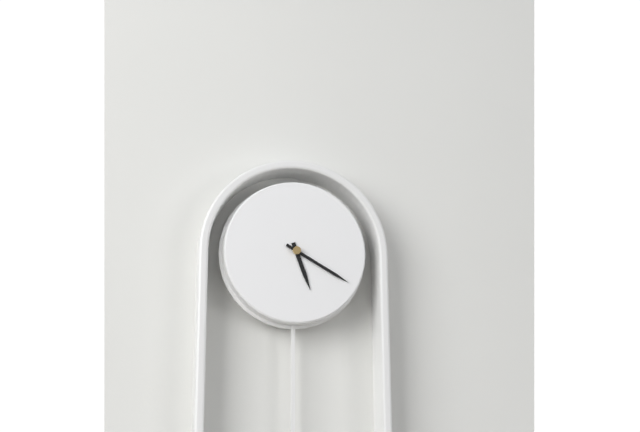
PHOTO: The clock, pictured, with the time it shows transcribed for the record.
5:20
